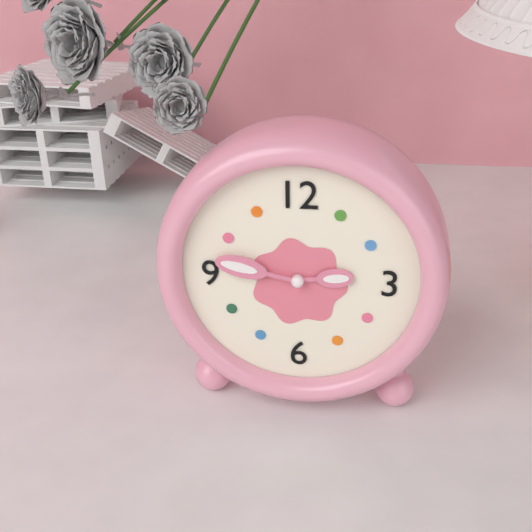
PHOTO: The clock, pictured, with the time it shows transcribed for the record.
2:47
